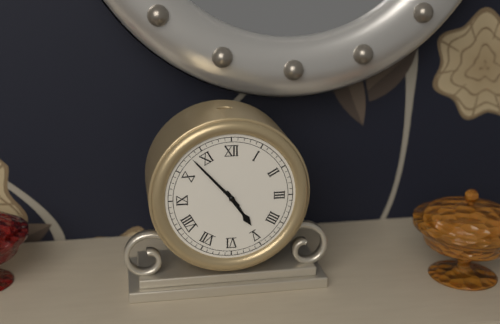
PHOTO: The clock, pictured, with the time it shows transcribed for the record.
4:53
